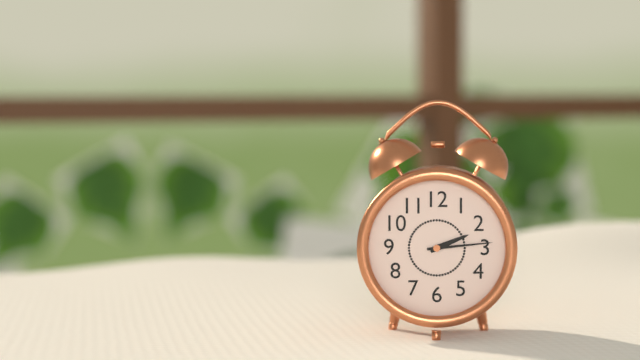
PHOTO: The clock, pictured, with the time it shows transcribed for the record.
2:14
